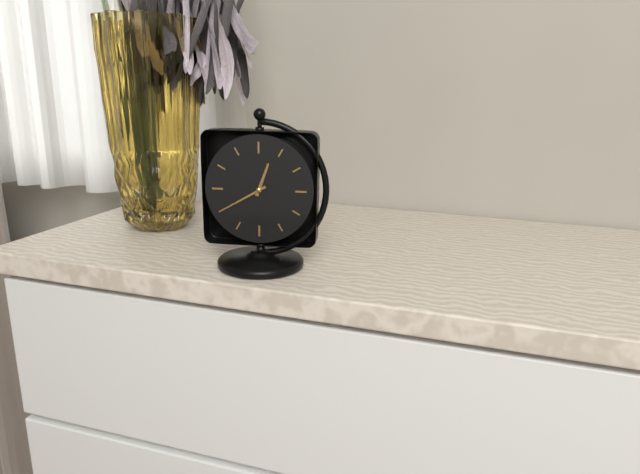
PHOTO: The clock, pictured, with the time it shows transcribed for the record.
12:40
